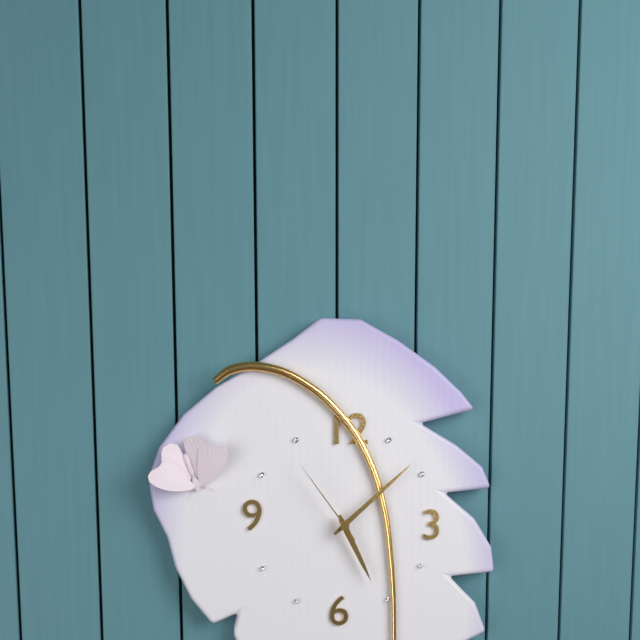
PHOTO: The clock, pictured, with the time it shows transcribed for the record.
5:08:54
